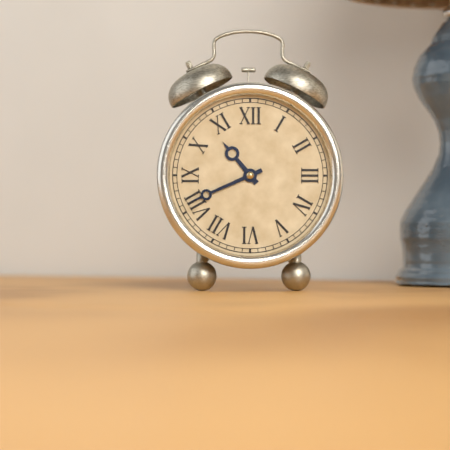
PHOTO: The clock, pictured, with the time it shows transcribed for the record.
10:41
